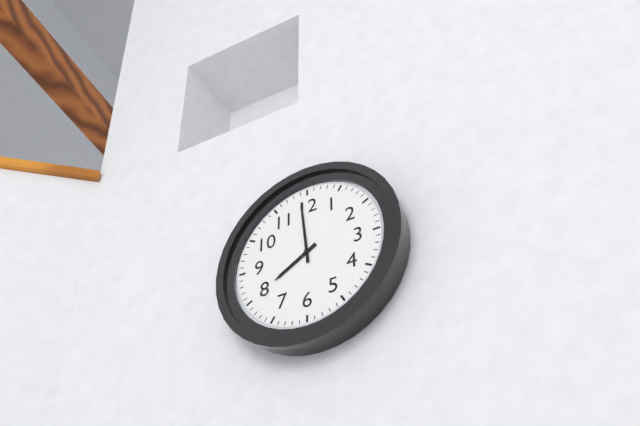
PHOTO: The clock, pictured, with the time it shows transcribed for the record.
7:59
